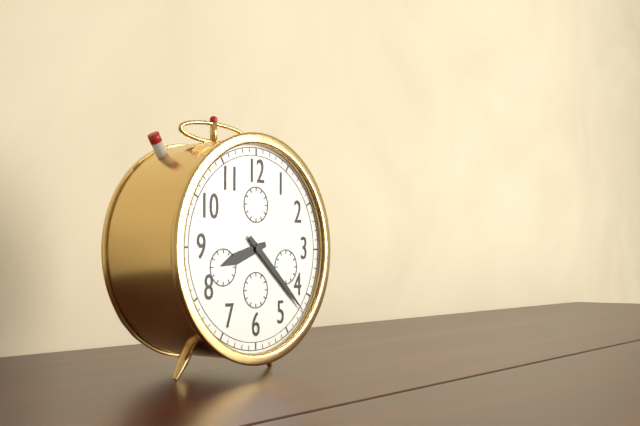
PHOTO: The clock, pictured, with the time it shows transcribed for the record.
8:22
